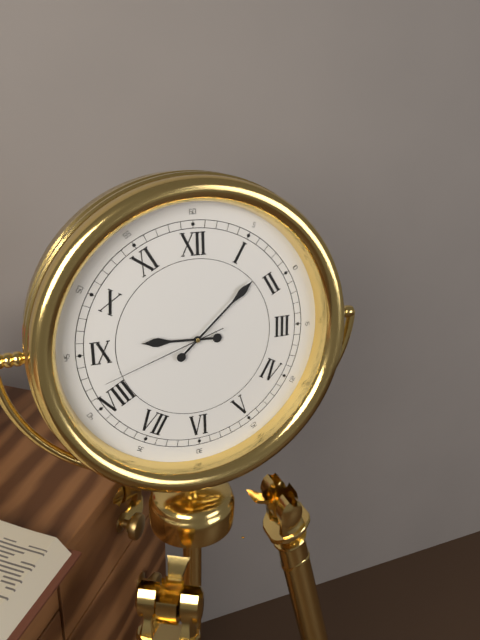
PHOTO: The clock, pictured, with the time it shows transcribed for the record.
9:08:42
